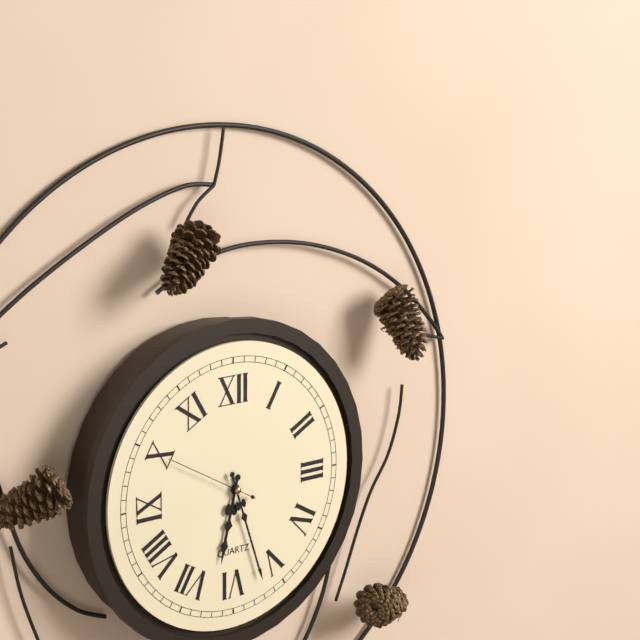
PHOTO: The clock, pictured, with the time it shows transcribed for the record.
6:27:50
